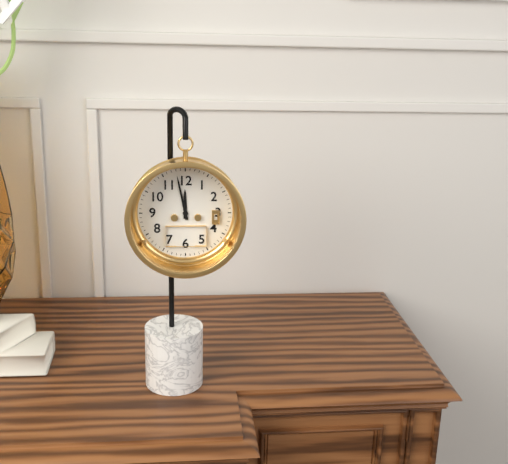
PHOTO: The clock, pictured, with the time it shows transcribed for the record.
11:58
